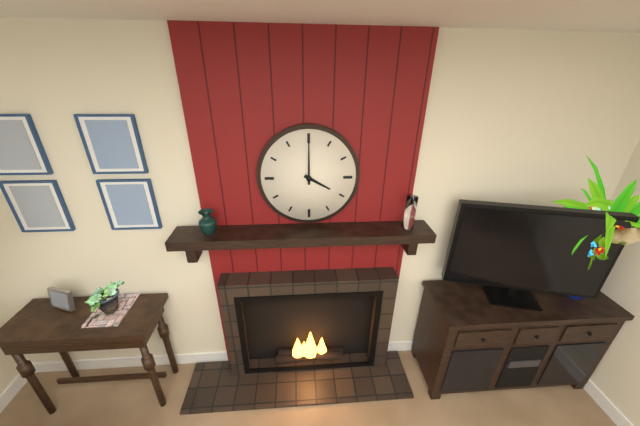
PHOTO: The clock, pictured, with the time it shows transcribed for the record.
4:00
